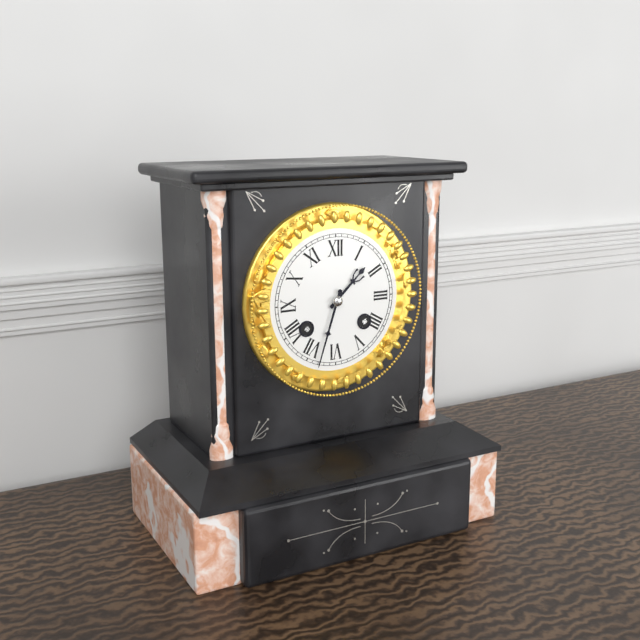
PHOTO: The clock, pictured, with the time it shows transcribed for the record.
1:33
